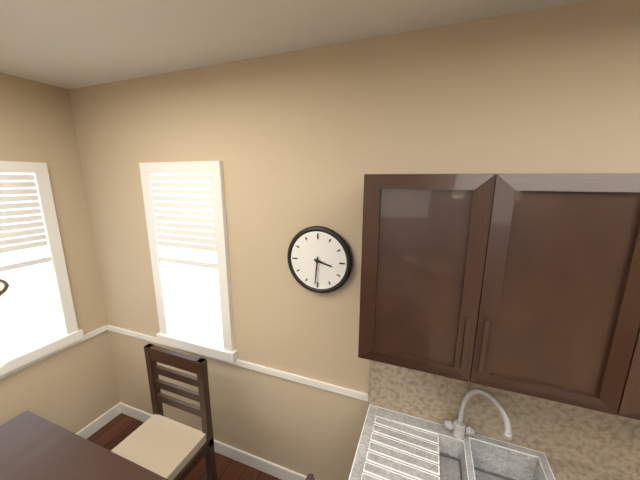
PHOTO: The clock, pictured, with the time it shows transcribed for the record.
3:31
